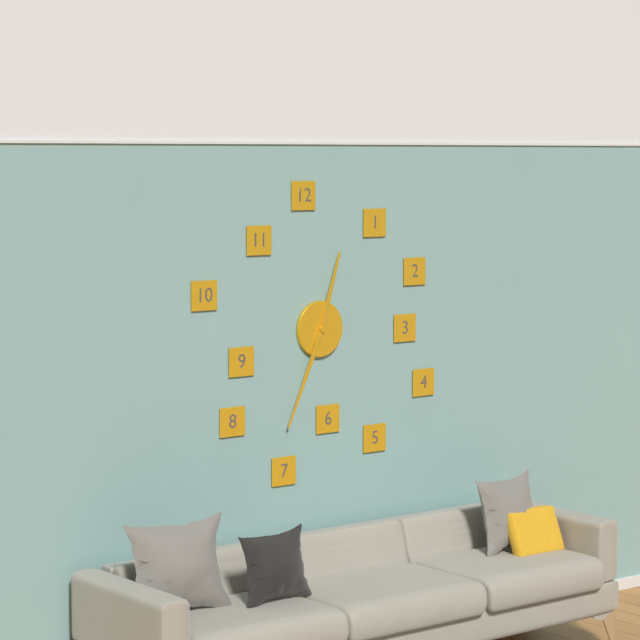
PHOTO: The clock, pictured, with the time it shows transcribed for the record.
12:34
